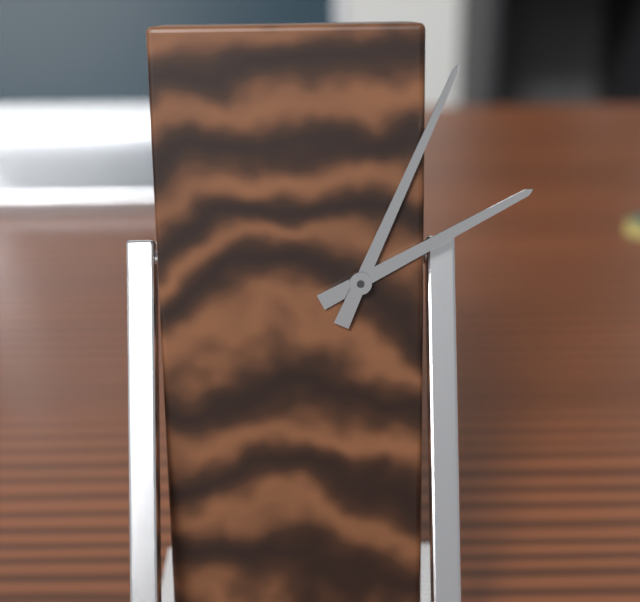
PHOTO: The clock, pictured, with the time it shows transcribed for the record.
2:04
